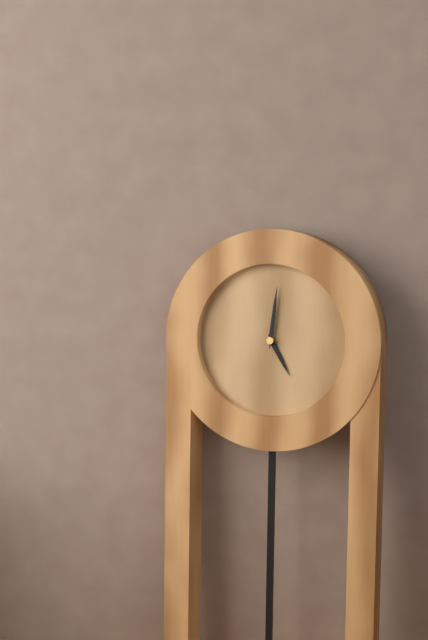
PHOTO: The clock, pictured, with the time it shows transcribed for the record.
5:01
